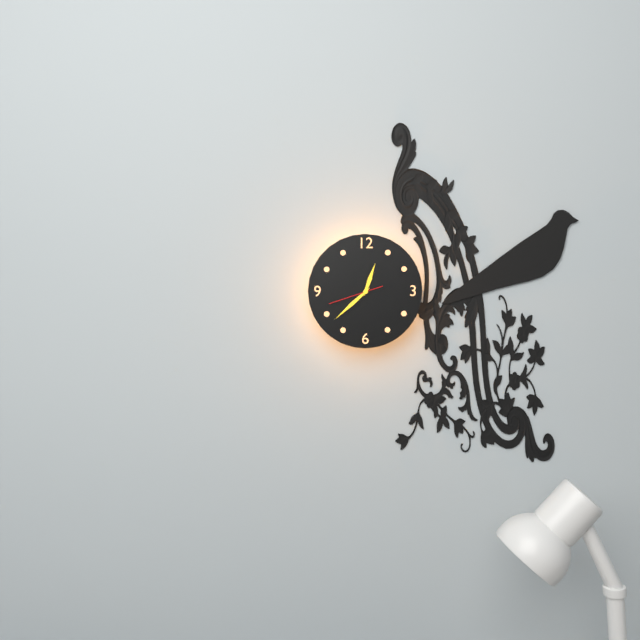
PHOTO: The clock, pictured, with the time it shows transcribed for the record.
12:38
